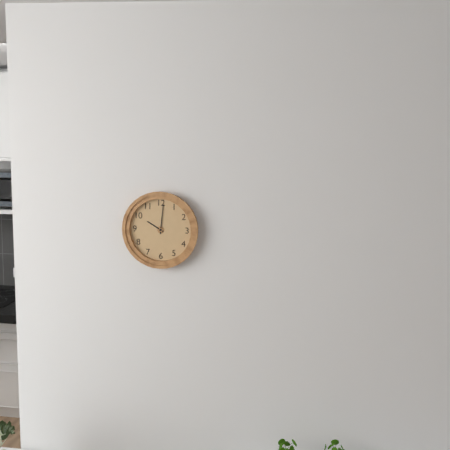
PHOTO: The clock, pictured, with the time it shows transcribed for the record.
10:01
